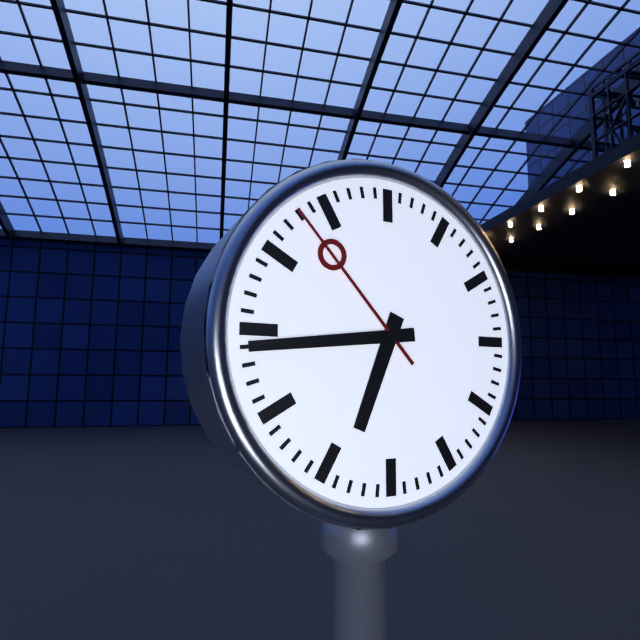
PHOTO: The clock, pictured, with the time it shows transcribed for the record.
6:44:53
